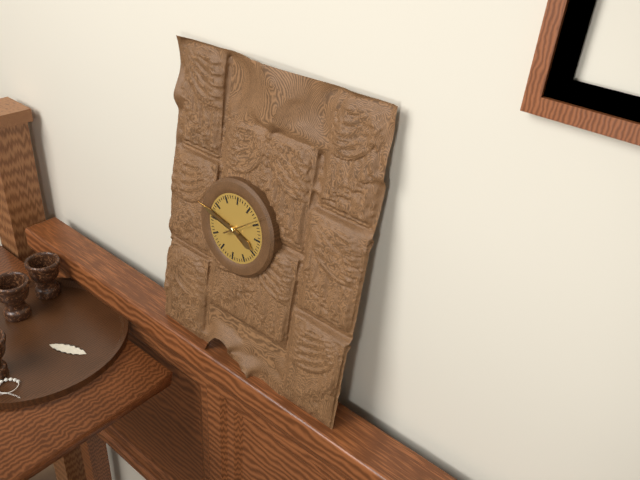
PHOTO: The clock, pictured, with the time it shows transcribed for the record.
3:47
